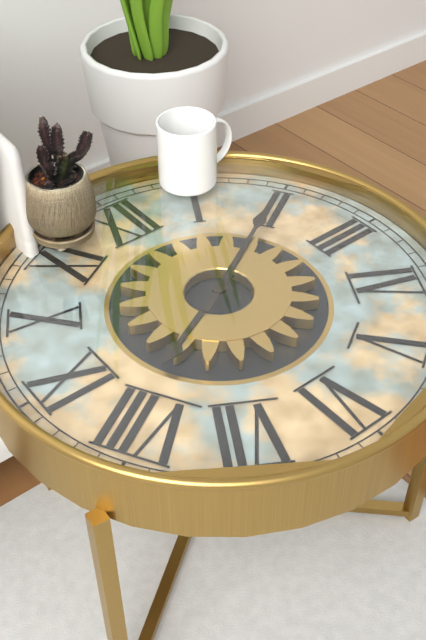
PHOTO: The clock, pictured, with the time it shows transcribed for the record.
8:10
